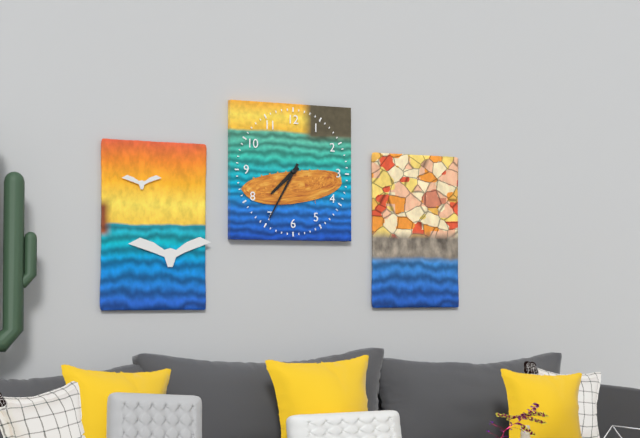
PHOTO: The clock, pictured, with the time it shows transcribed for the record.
7:35
